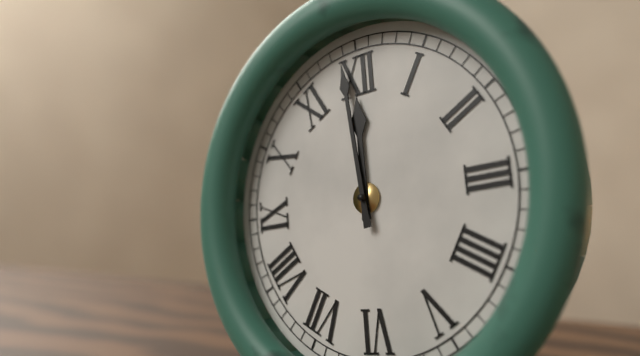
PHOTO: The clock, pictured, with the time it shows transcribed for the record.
11:59
